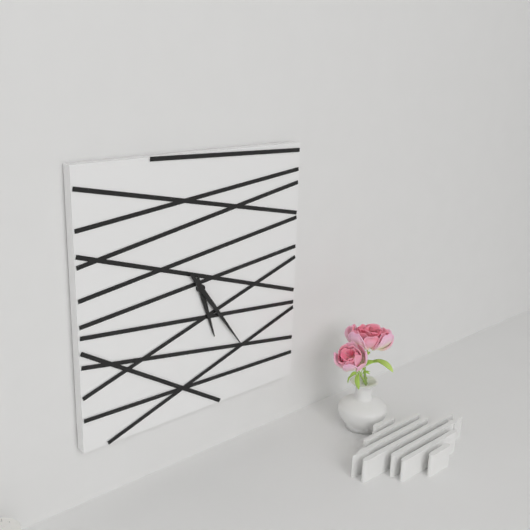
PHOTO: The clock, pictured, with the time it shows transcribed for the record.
5:24
